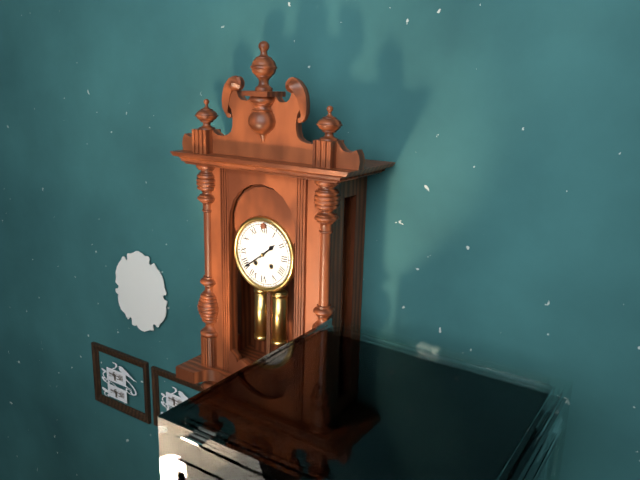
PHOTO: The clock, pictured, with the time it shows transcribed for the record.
1:39
